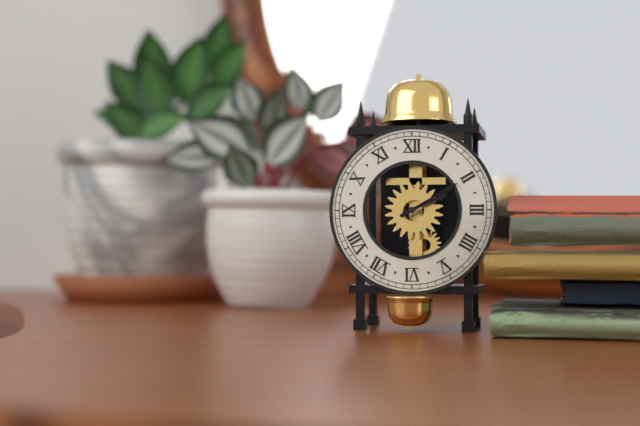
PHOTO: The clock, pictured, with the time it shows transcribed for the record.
2:10
